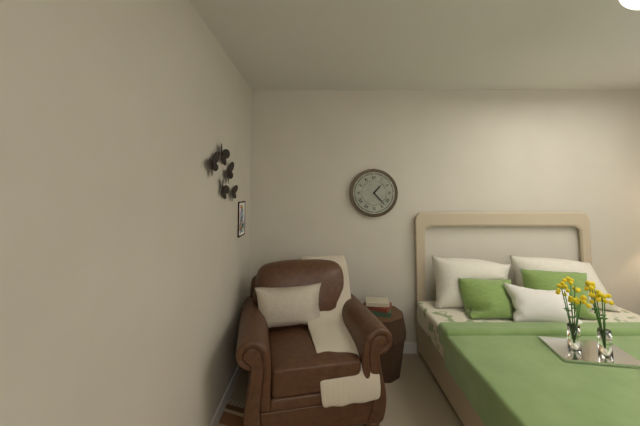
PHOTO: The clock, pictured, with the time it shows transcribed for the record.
1:23
